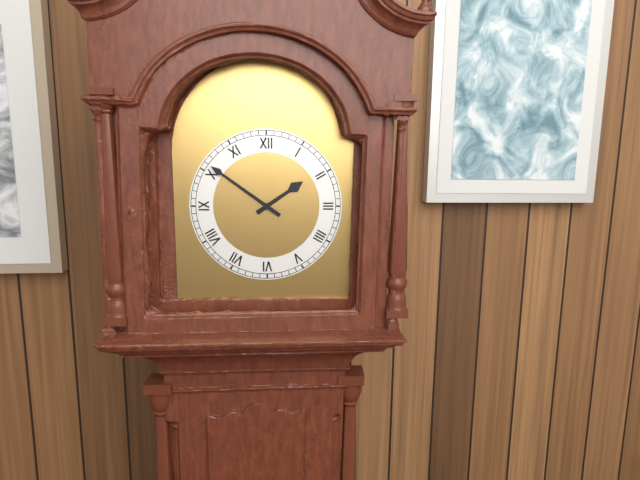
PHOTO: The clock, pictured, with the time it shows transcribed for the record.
1:51
